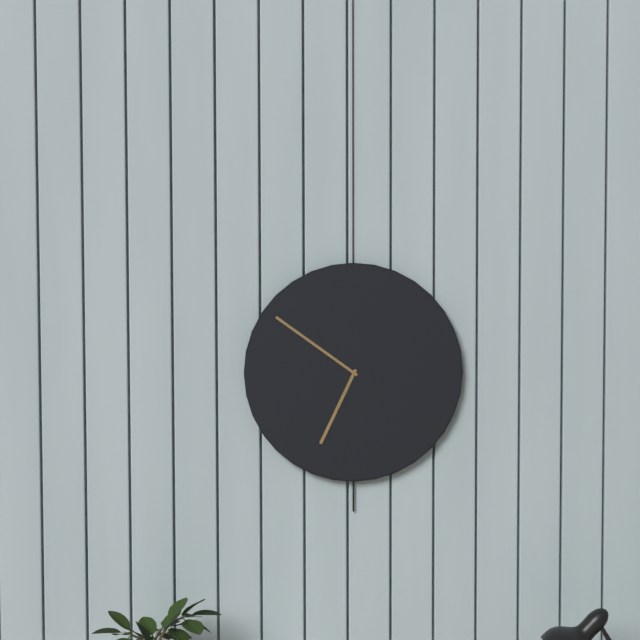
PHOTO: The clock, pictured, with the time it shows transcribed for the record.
6:51
